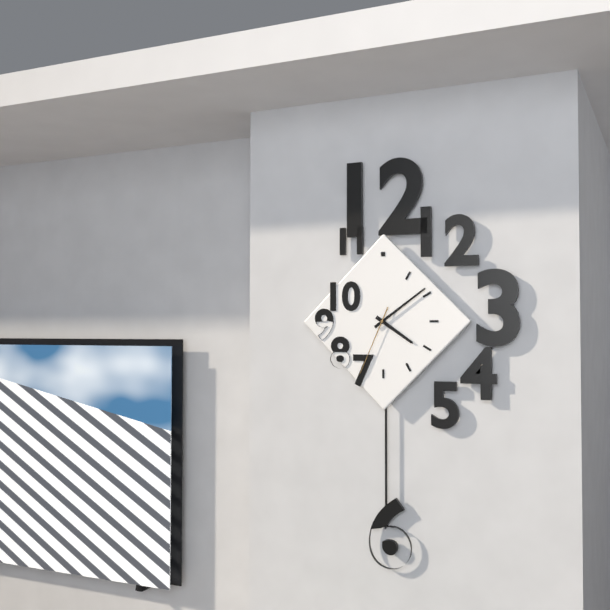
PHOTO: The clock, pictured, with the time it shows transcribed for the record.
4:09:34
